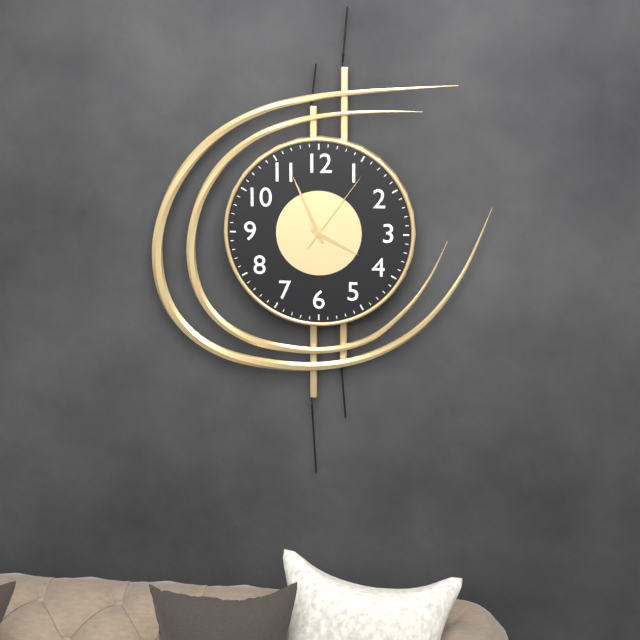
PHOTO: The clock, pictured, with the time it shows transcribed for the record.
3:56:06
